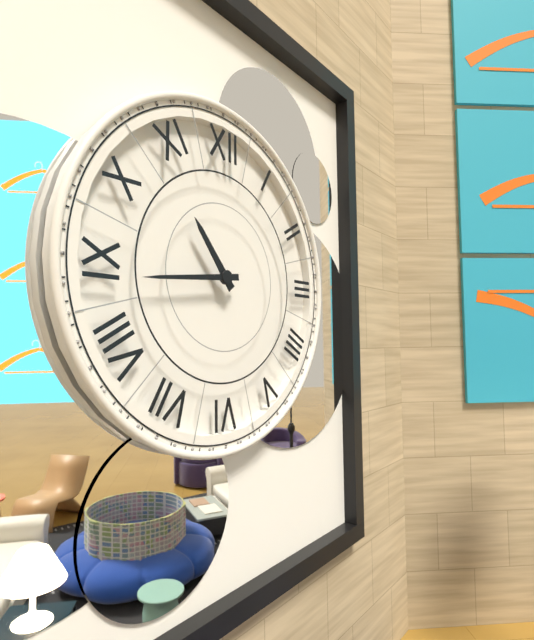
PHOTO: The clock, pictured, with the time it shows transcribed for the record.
10:44
